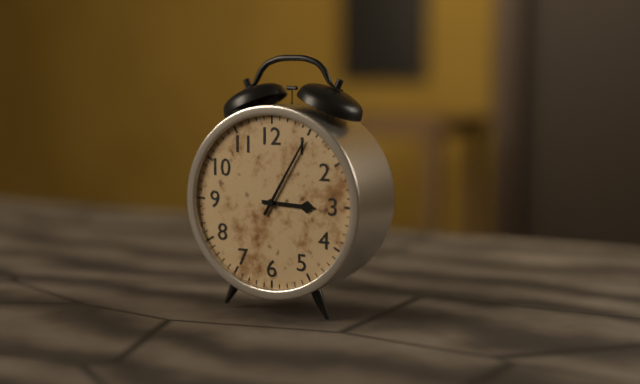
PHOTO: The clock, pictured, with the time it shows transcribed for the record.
3:05
